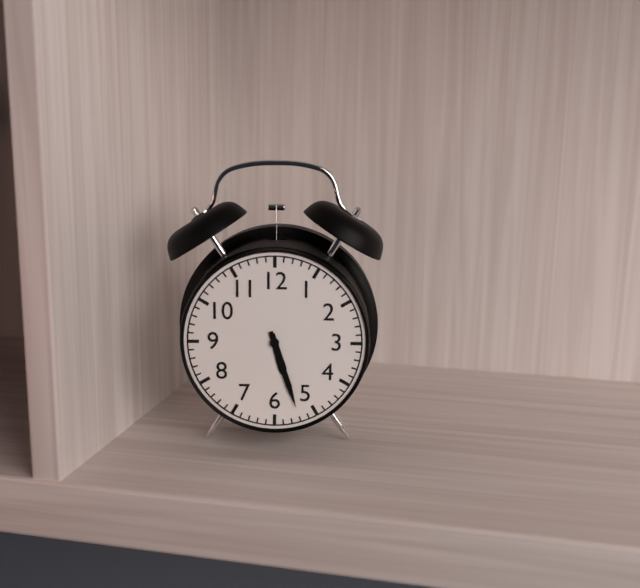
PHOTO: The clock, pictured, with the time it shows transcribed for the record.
5:27
